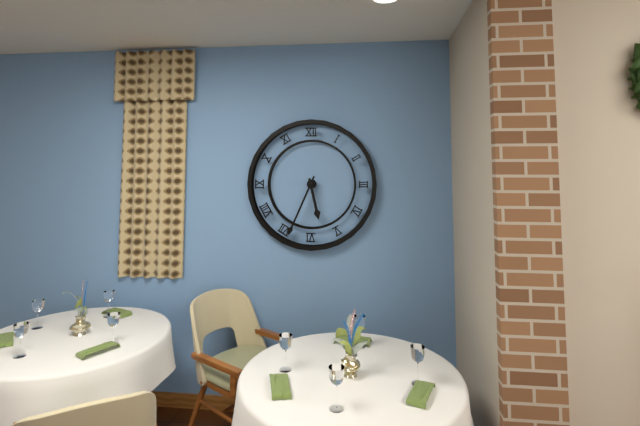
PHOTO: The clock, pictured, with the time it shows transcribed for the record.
5:34
